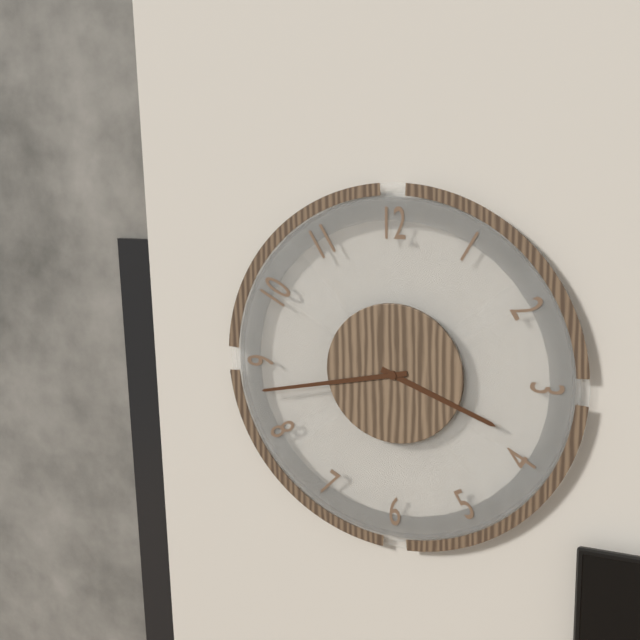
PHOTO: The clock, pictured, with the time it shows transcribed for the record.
3:43
